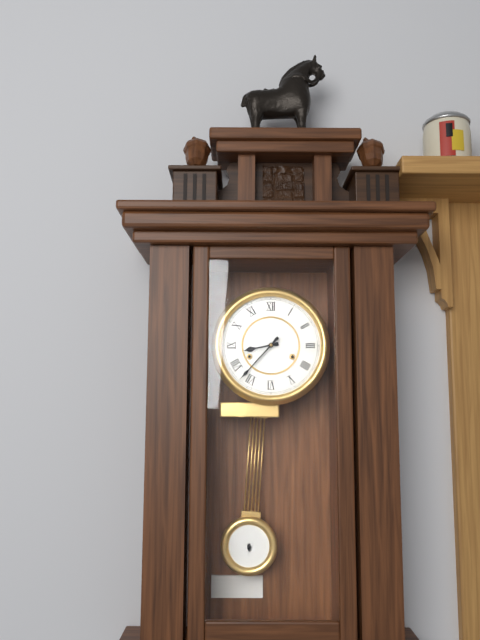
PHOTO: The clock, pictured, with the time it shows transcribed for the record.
8:37
